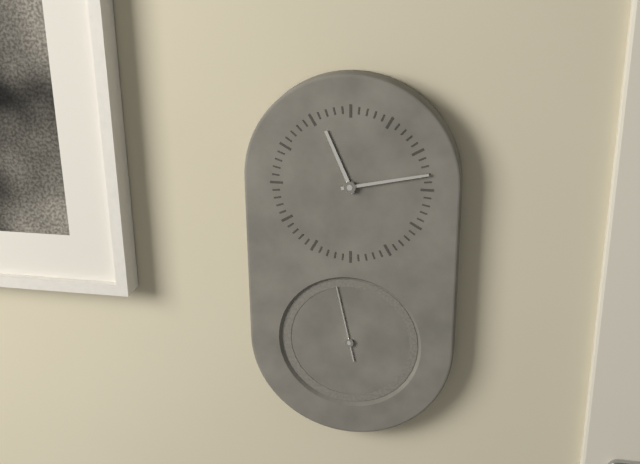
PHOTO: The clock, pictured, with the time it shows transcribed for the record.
11:13:58
